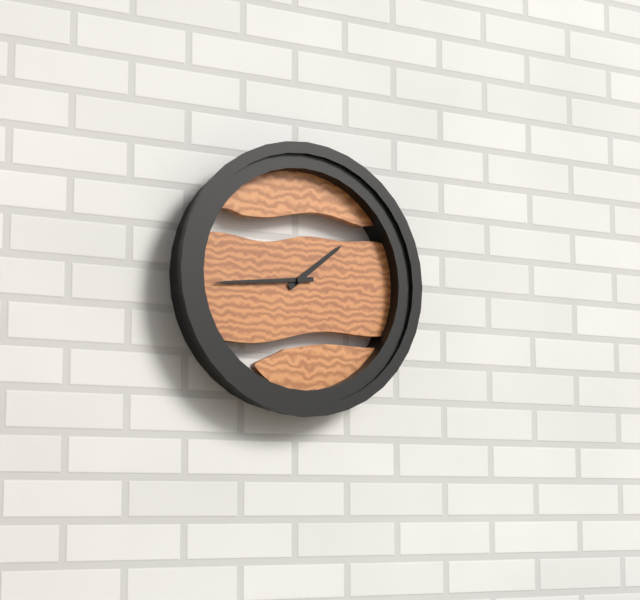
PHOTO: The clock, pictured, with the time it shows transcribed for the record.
1:44
